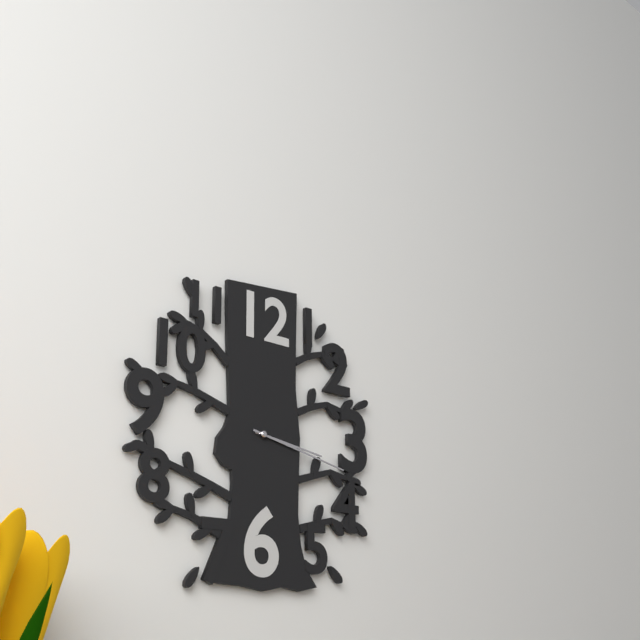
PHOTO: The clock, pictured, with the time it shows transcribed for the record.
3:17
